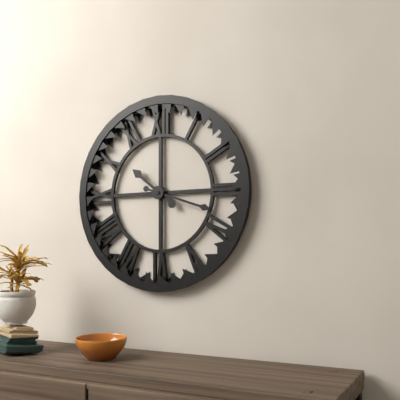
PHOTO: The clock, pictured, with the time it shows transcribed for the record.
10:18
